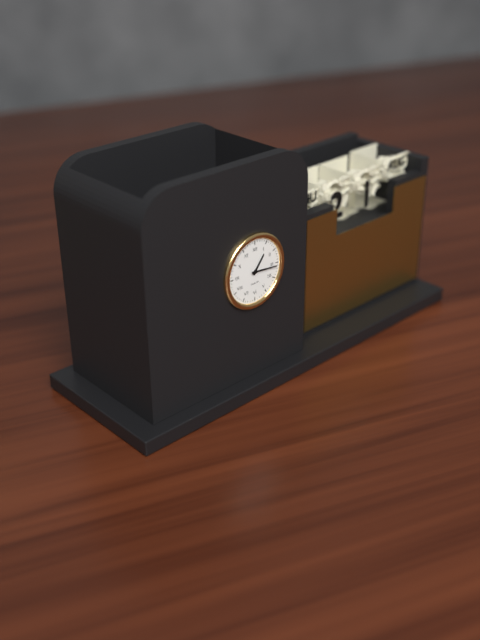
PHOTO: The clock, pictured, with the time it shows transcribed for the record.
1:16
